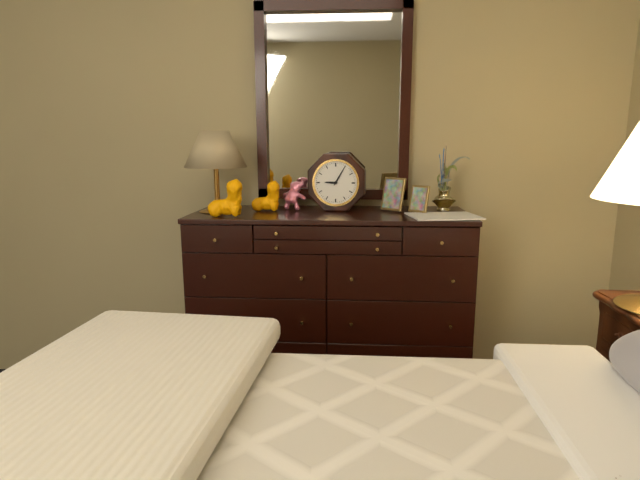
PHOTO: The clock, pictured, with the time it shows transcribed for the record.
9:05
